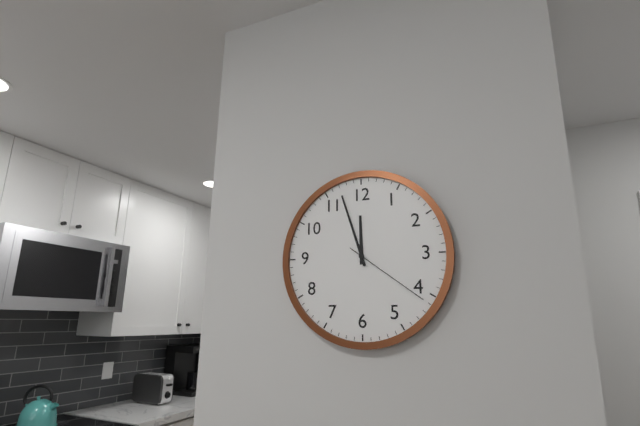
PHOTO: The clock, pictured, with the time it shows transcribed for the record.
11:57:21
